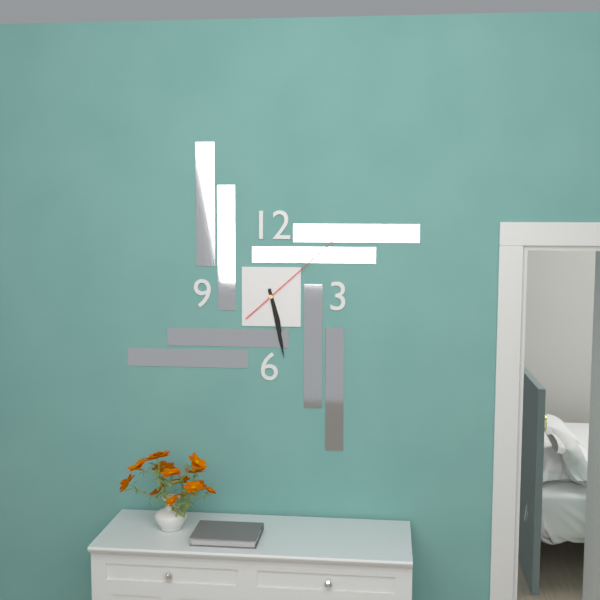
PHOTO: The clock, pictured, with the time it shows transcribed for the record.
5:28:08
